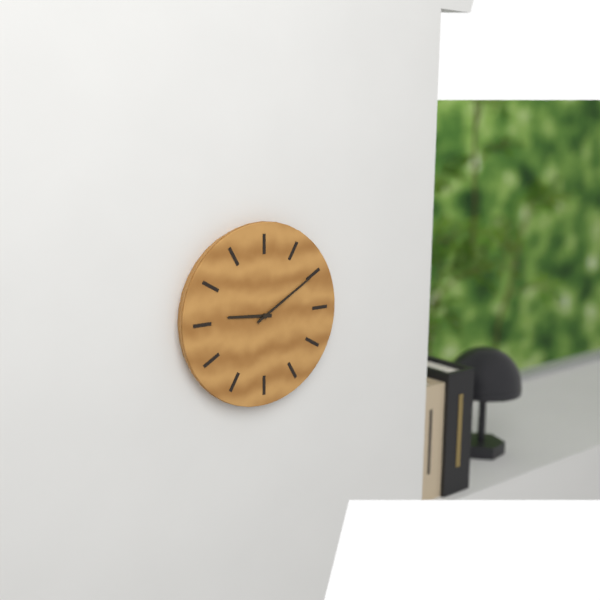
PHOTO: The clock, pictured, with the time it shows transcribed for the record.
9:10
